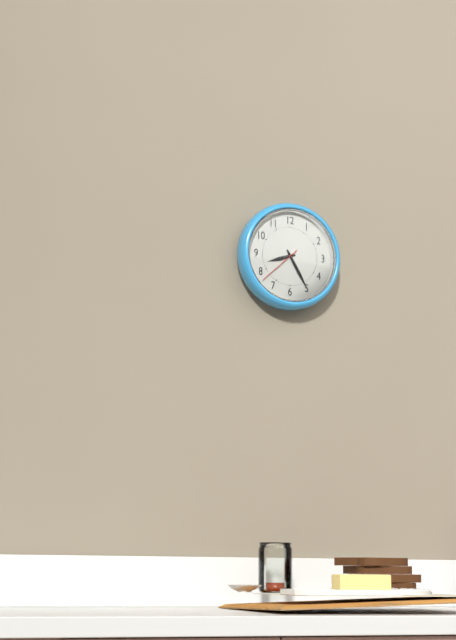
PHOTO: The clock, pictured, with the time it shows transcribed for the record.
8:25
